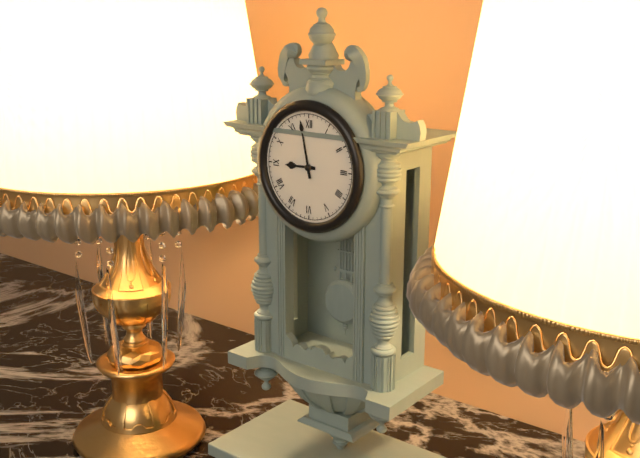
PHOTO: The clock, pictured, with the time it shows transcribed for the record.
8:58
